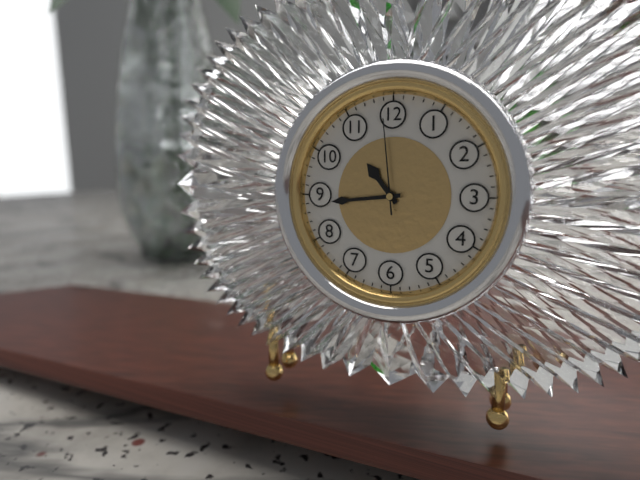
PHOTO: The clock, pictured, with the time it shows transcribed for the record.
10:44:59
